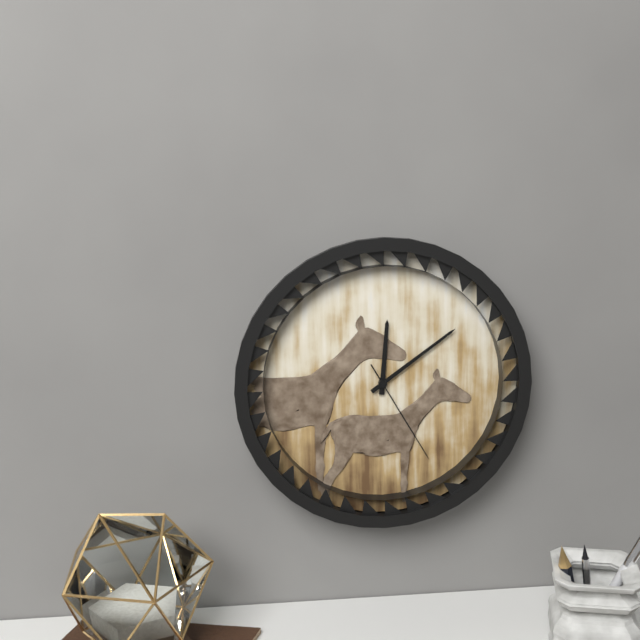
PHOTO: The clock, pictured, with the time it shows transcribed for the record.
12:09:25
